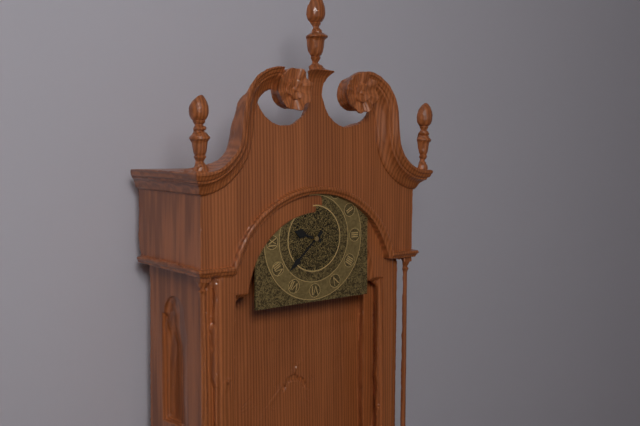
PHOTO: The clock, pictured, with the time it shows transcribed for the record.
9:38
